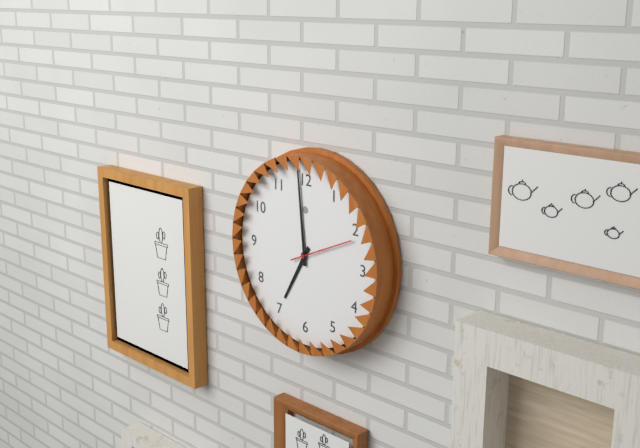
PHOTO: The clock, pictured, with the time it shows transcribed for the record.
6:59:11
